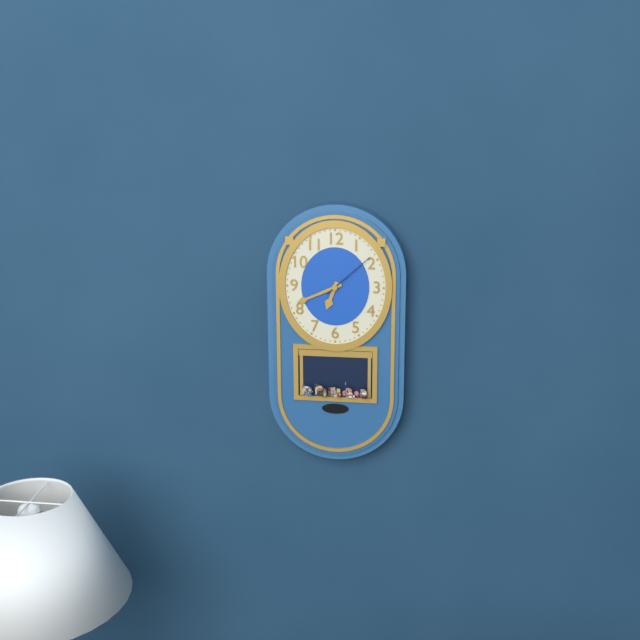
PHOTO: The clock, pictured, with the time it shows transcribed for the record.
6:41
